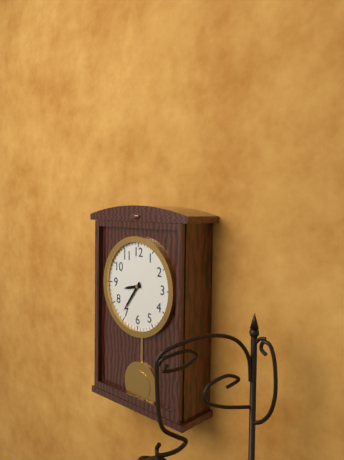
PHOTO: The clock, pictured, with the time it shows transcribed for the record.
8:36
